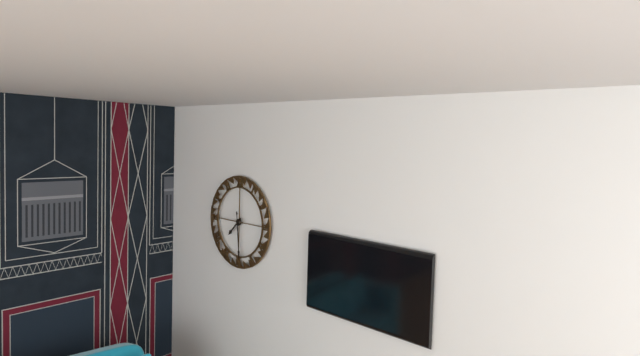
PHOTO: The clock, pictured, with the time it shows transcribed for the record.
7:29
